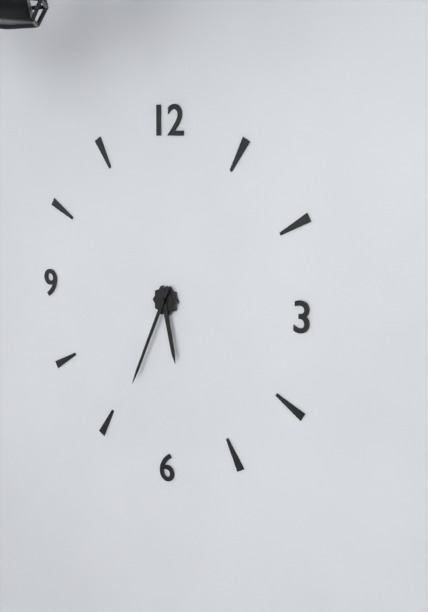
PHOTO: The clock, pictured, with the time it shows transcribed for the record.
5:34
